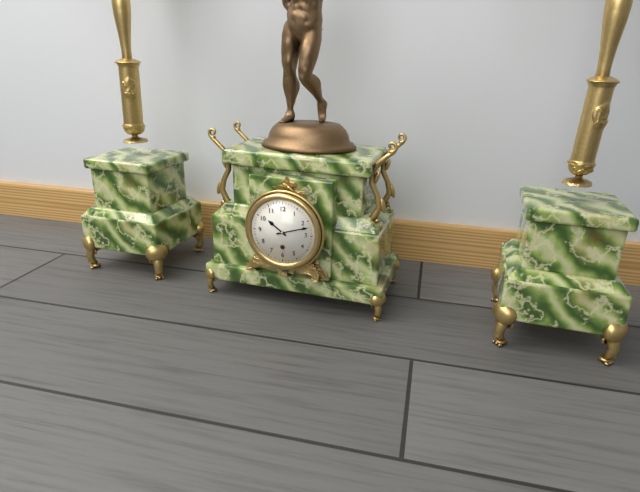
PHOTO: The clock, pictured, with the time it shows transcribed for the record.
10:12
